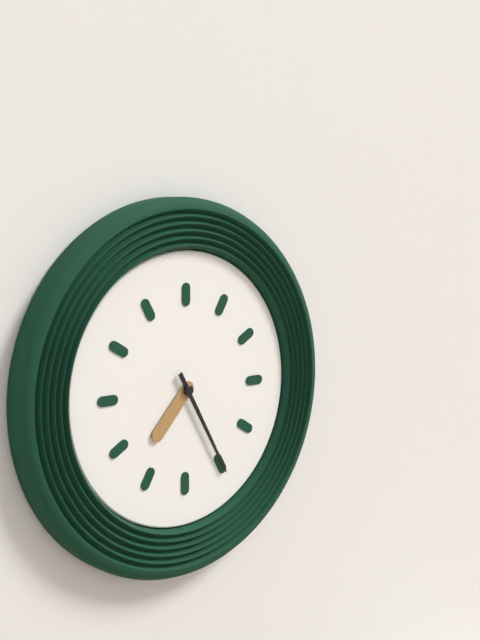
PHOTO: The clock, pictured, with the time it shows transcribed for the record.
7:25
